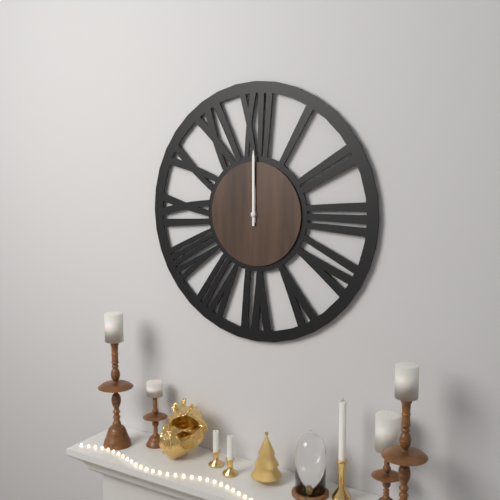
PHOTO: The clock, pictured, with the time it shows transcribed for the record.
12:00
